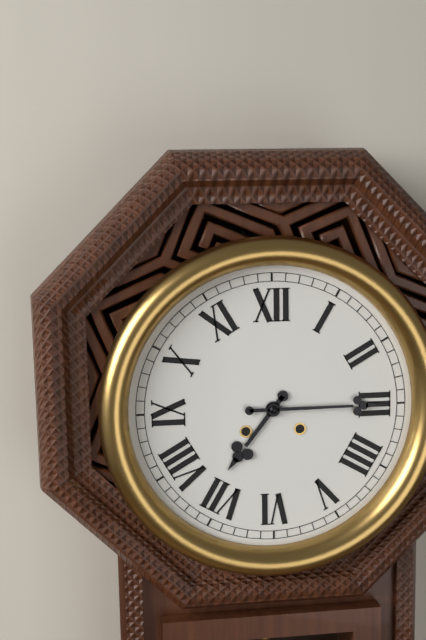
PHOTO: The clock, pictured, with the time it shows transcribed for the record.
7:15
